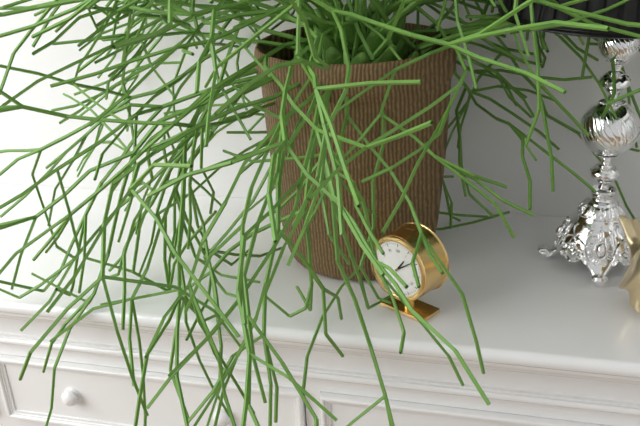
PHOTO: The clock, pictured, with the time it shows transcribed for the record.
1:09
